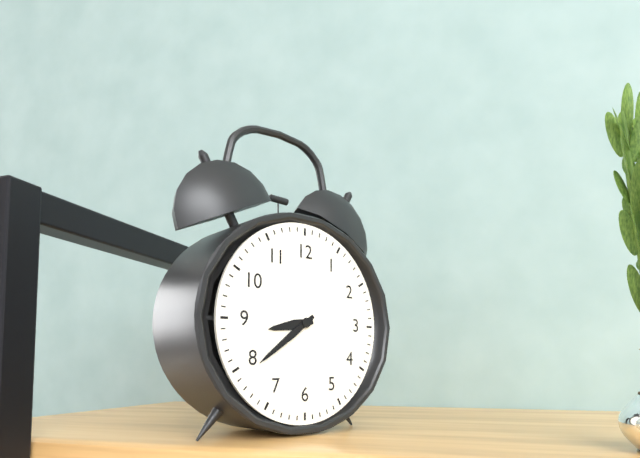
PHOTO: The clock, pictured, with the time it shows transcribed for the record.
8:39
